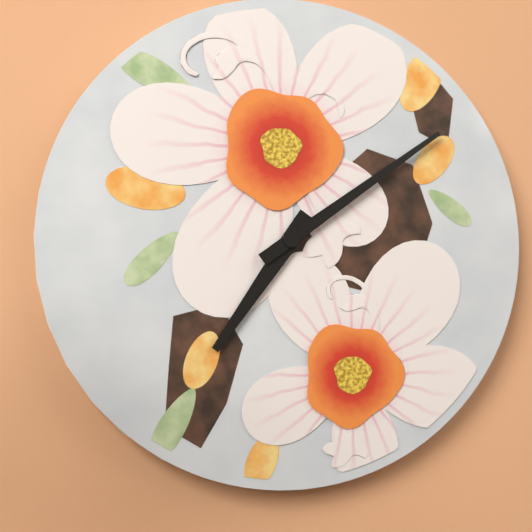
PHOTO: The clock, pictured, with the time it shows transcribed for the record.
7:09
